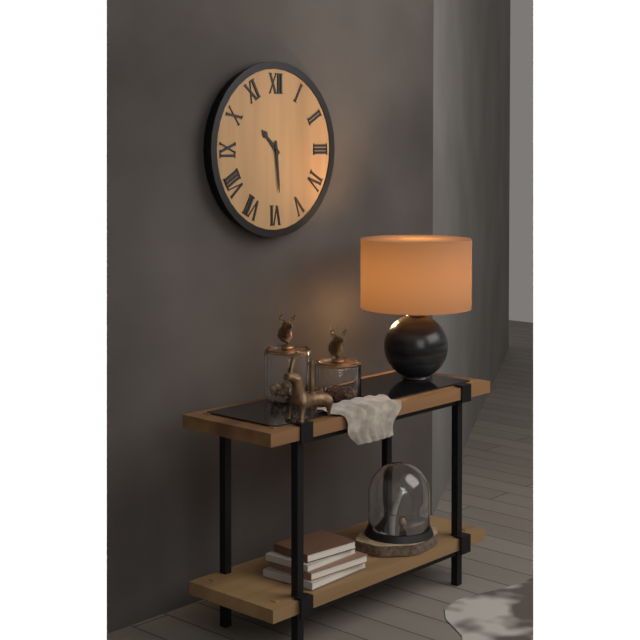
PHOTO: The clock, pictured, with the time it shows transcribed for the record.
10:29
